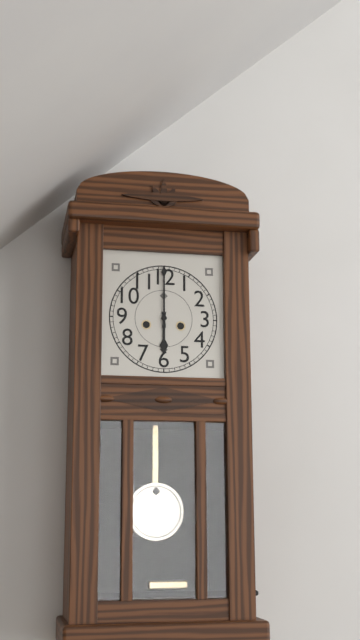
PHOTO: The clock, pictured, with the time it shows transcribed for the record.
6:00
